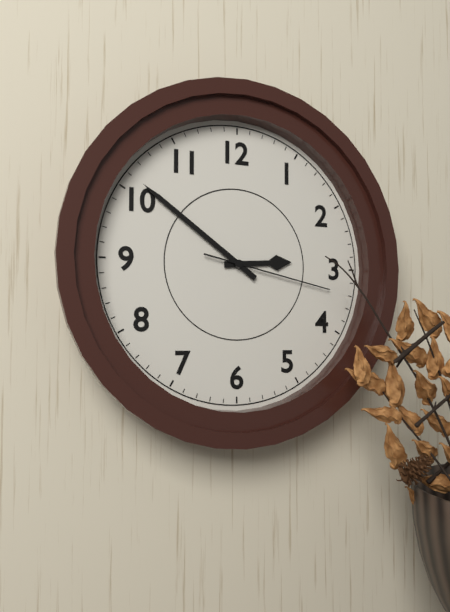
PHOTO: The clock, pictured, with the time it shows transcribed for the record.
2:51:17
